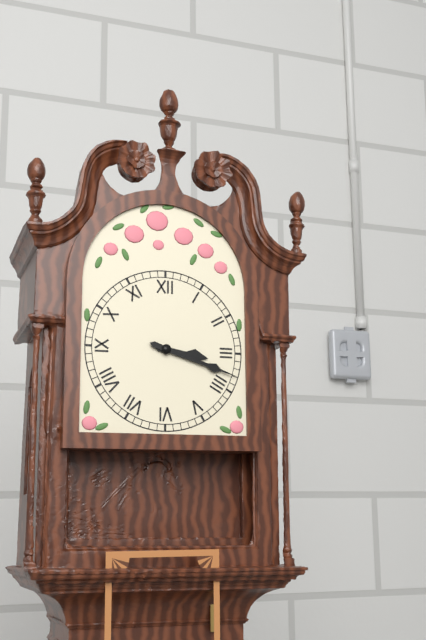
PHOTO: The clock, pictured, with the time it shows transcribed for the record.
3:18
